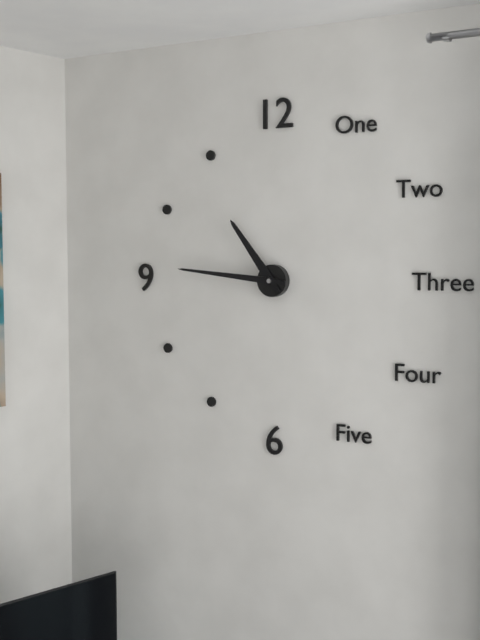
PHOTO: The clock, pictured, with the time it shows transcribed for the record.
10:46
